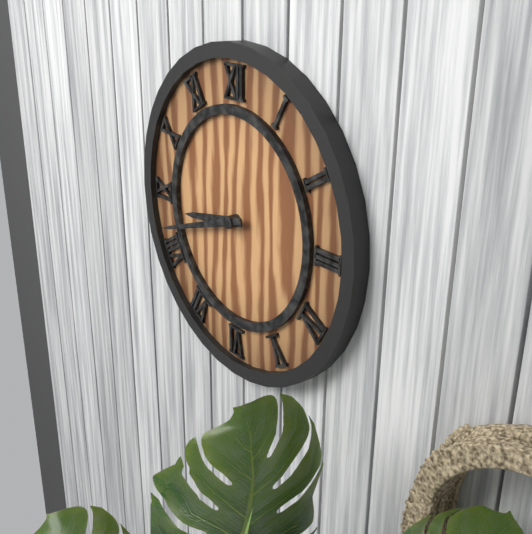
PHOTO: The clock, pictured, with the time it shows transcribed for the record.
8:42
